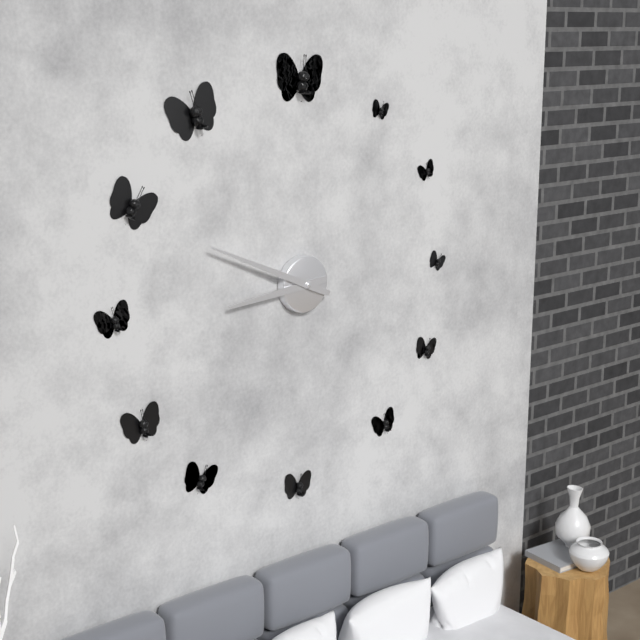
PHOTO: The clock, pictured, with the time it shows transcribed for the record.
8:49
